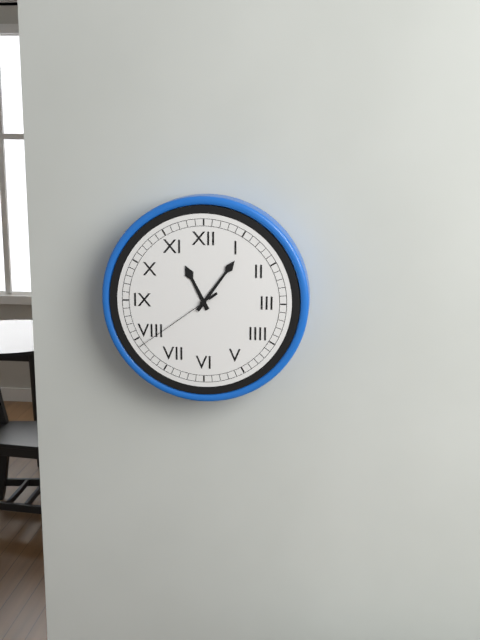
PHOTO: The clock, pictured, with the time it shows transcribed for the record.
11:06:39
